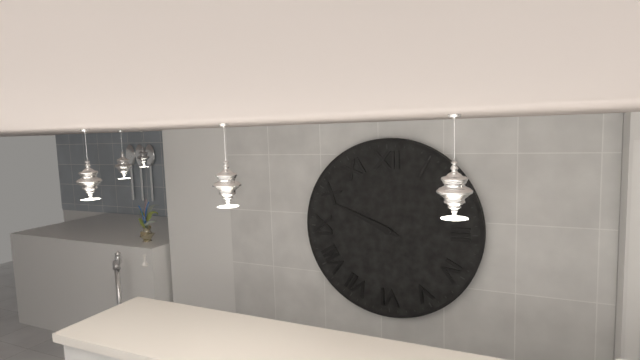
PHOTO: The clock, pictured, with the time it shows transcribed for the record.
9:49
